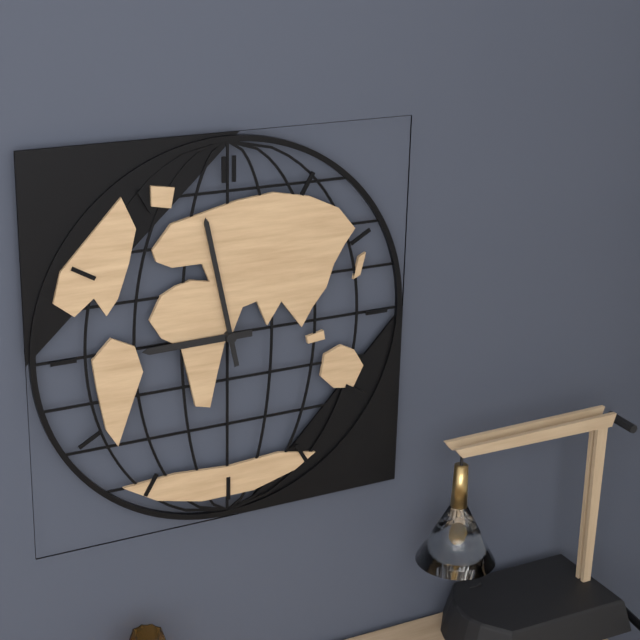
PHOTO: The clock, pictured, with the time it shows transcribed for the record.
8:58
